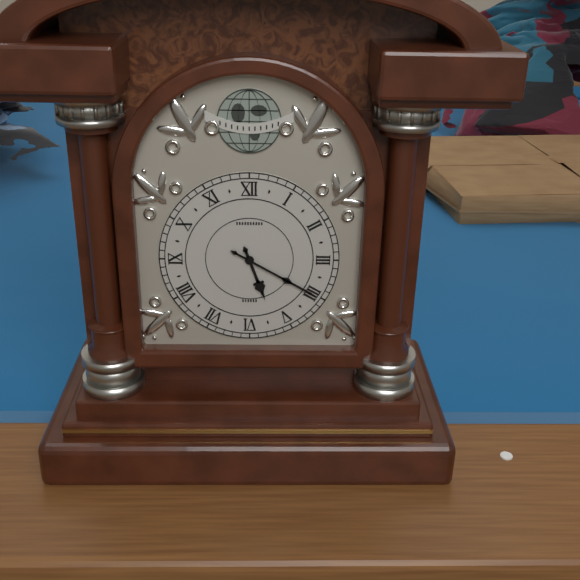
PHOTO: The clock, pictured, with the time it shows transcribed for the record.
5:20
